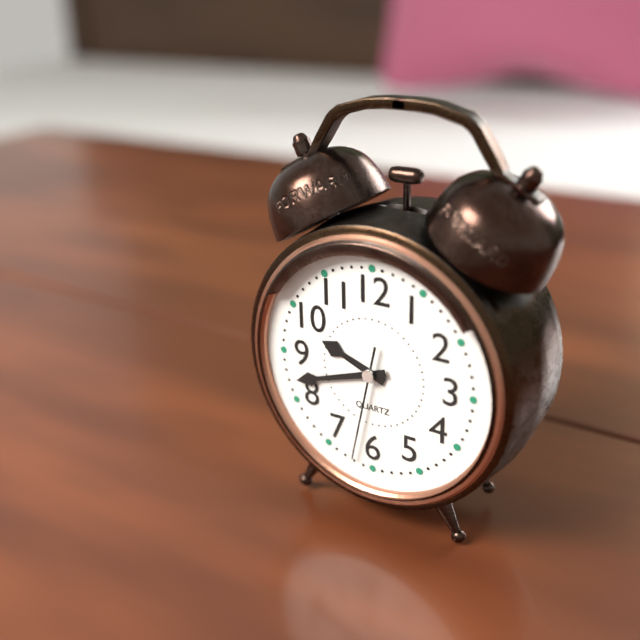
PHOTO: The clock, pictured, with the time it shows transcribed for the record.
9:42:32
